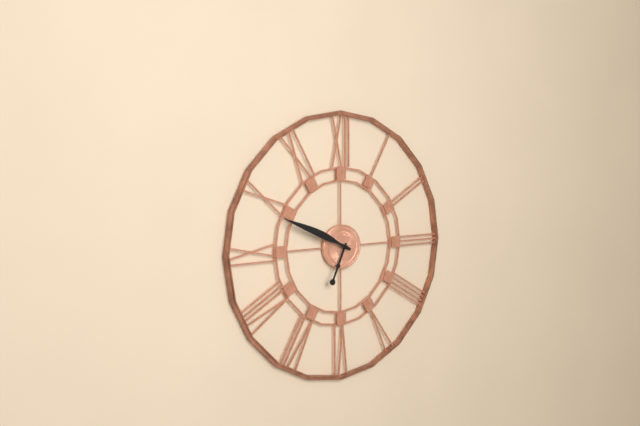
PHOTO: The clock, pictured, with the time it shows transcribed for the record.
6:49
